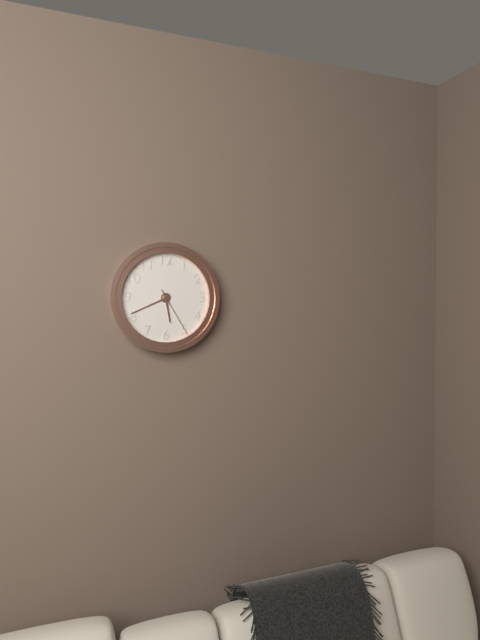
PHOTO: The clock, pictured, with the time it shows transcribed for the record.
5:41:25
